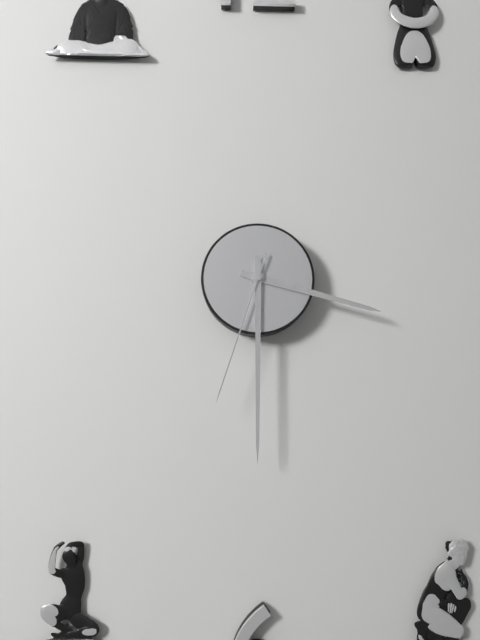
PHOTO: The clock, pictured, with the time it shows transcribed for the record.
3:30:33
